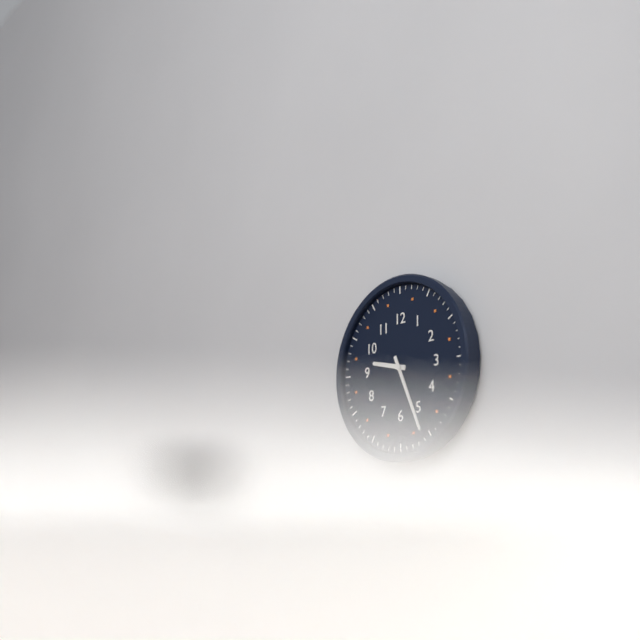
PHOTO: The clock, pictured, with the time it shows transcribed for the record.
9:26
